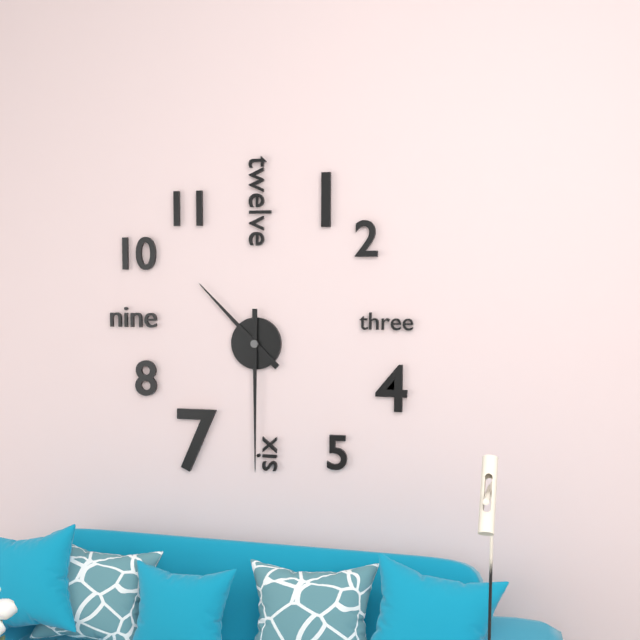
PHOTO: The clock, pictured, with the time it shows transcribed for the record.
10:30
